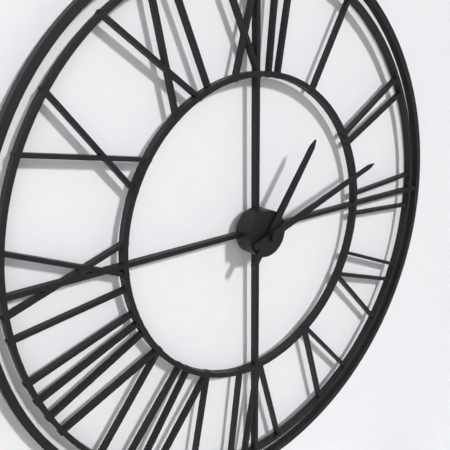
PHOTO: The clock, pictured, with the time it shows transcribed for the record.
1:12
